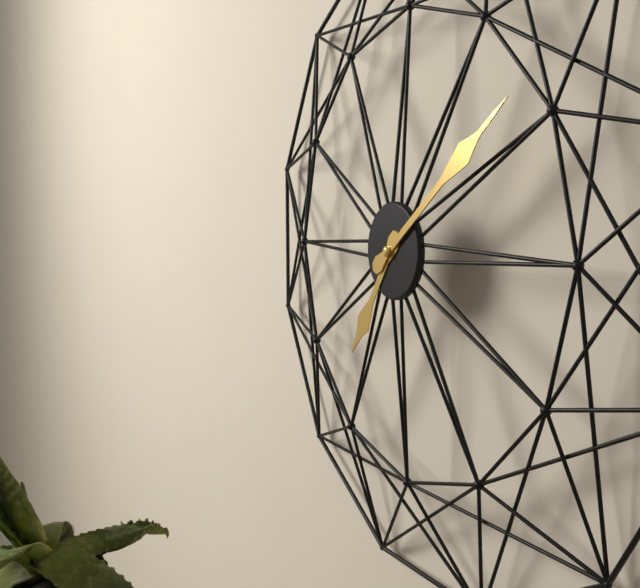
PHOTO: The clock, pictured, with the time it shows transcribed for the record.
7:09
